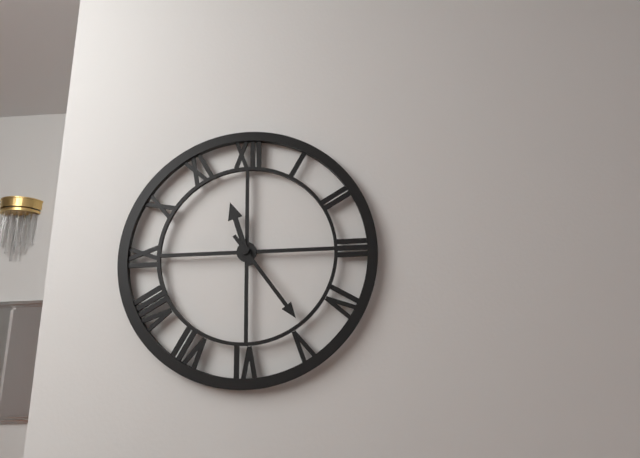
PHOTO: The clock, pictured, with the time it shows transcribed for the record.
11:24
